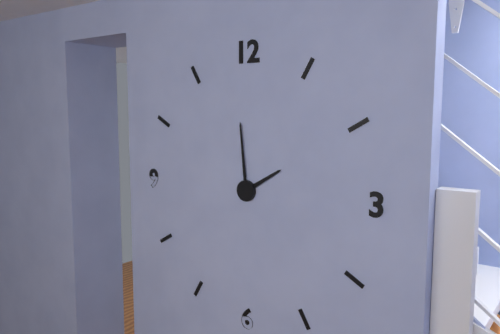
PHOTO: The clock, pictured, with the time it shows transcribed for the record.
1:59
